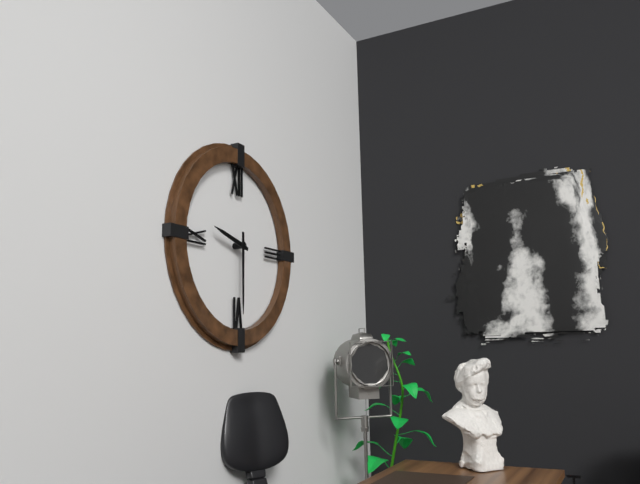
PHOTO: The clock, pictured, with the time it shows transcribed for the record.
9:30
